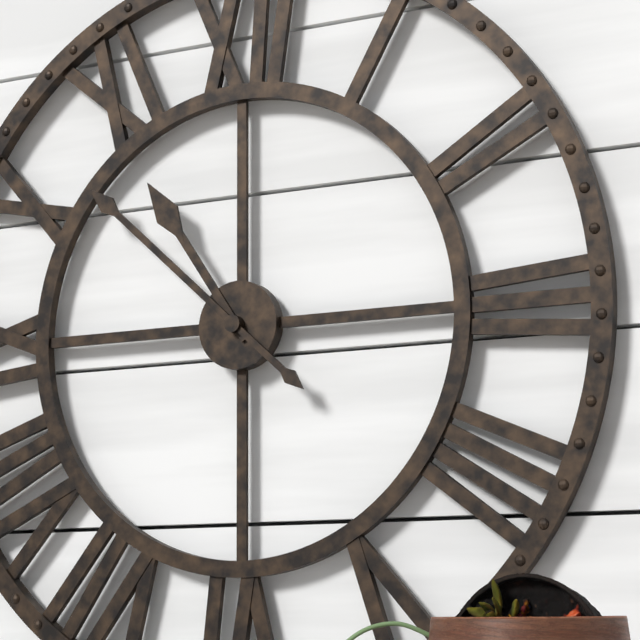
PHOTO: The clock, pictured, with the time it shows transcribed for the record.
10:52
